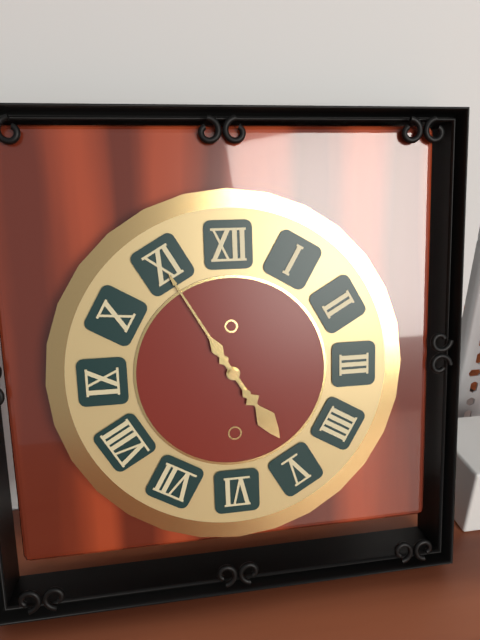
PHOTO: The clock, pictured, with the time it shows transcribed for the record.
4:55
